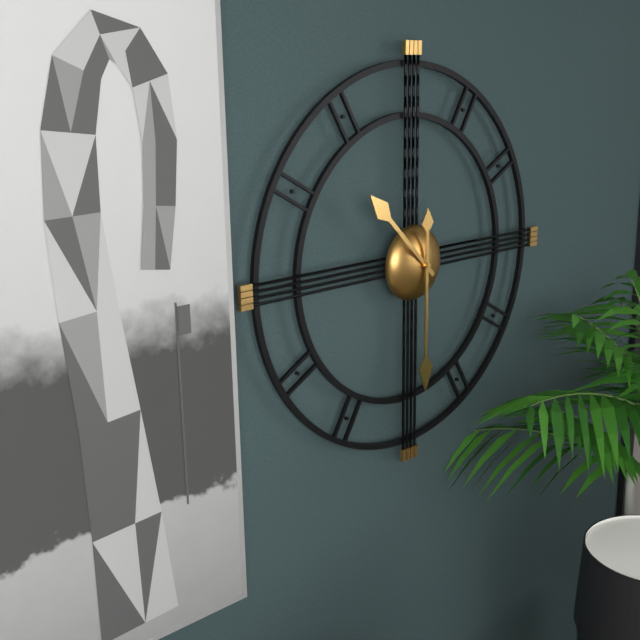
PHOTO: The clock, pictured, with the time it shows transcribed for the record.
10:30
